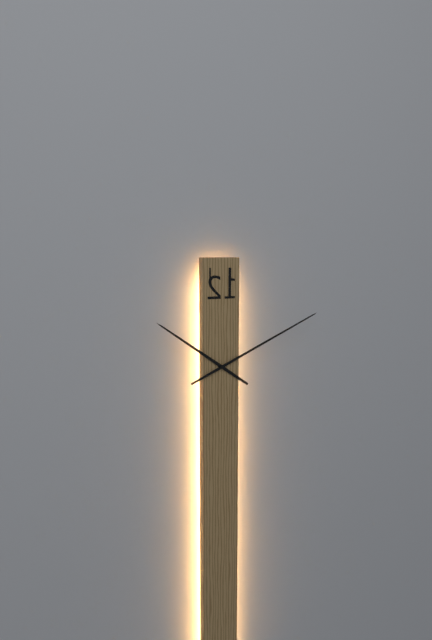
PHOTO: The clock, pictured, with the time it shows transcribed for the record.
10:11
